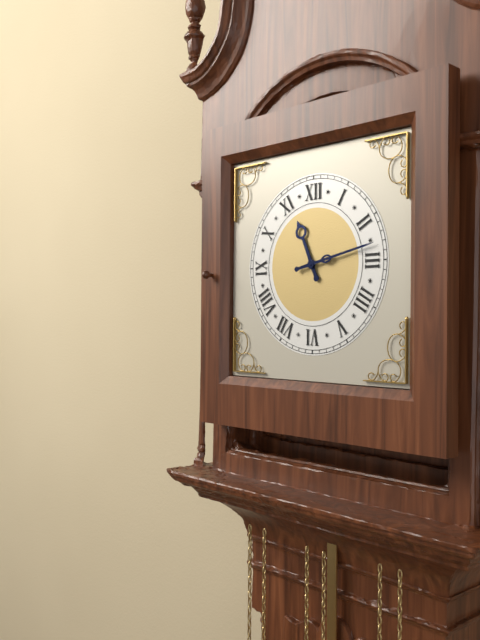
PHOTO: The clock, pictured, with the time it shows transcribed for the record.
11:13
